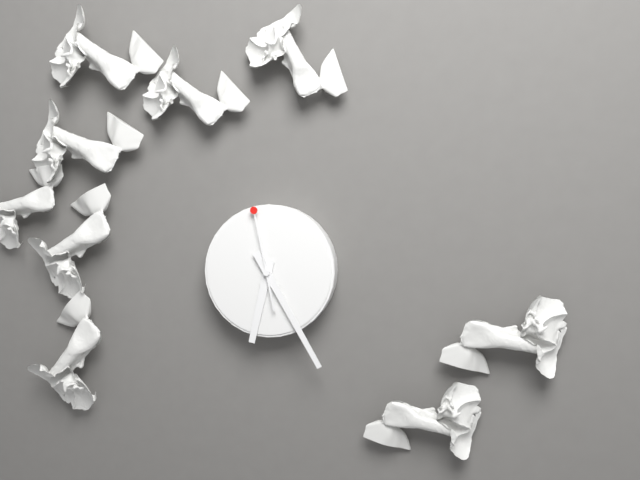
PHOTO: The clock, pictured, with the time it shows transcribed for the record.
6:25:58
